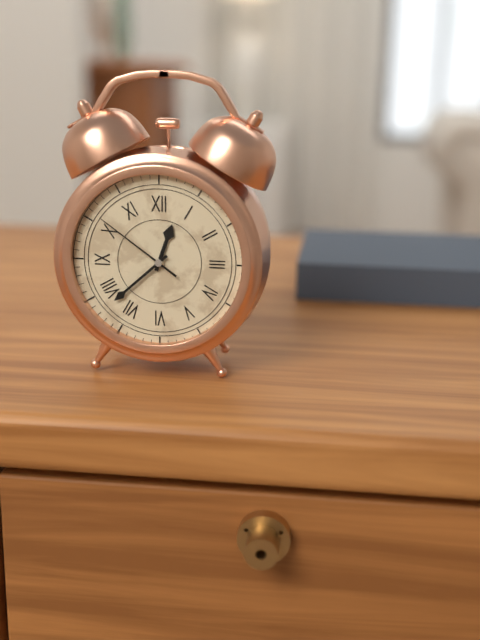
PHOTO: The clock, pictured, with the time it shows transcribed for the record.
12:38:51
